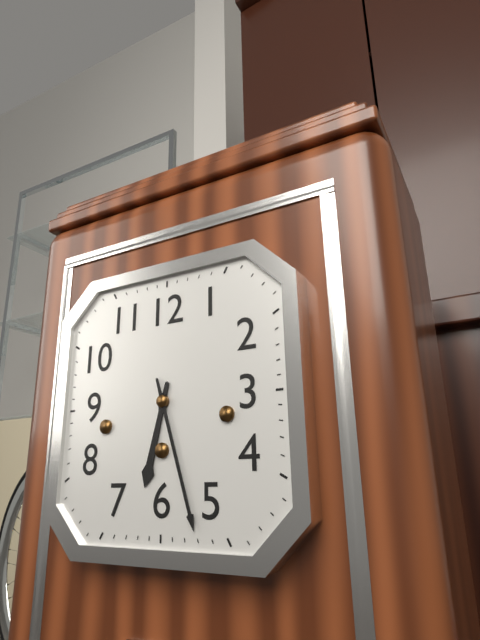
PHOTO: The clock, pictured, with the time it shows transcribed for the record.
6:27
